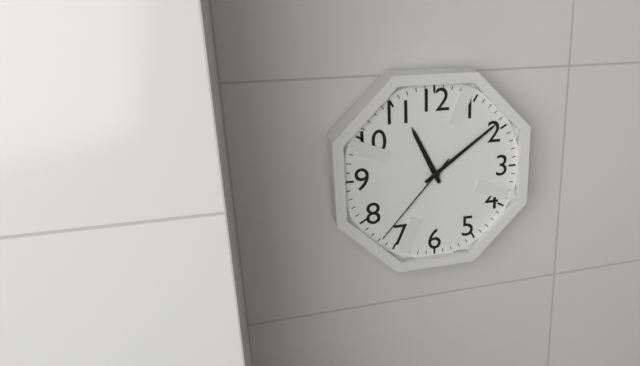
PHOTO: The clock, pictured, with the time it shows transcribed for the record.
11:09:37
